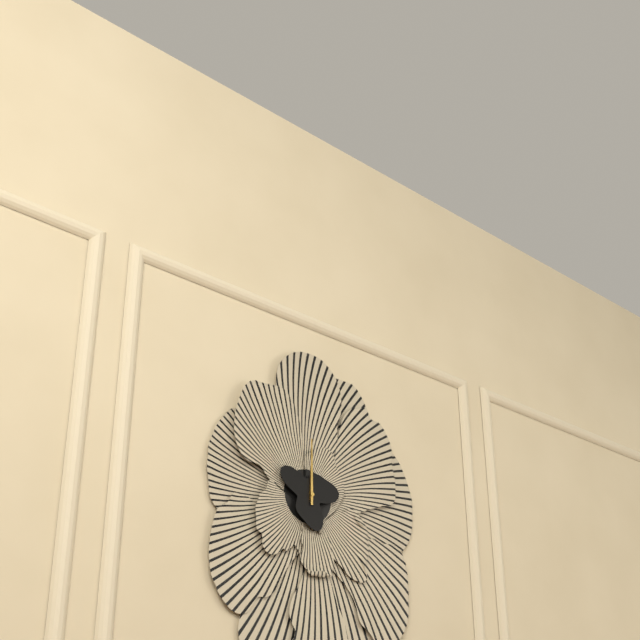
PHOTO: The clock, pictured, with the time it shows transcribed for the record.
12:00
